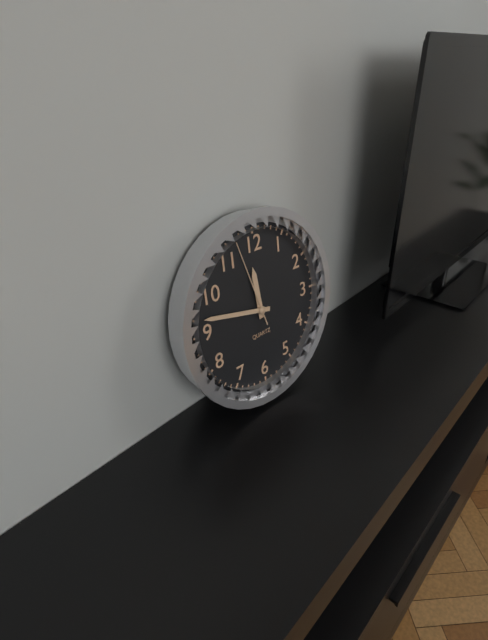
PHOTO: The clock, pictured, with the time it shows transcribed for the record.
11:47:57
